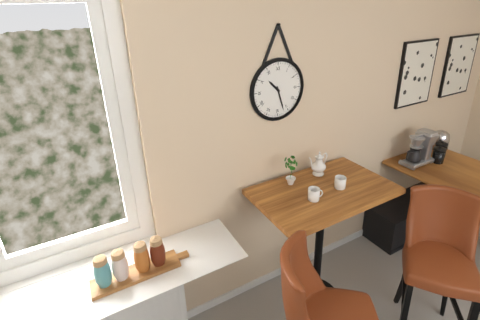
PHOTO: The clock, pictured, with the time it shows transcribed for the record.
10:27
